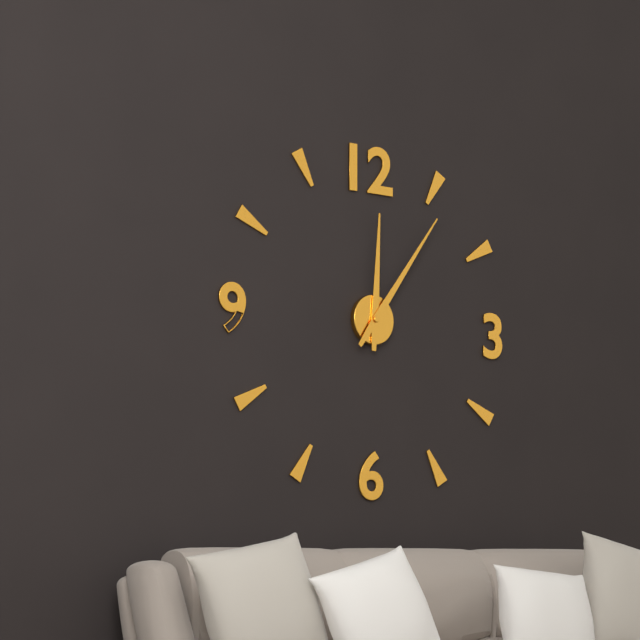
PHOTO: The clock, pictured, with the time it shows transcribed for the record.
12:06
